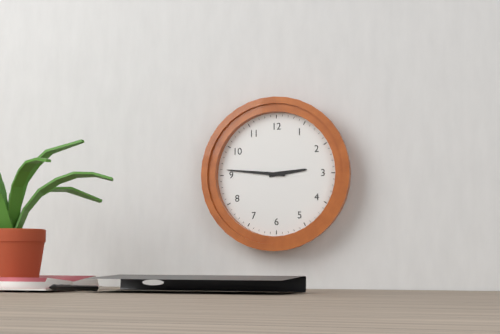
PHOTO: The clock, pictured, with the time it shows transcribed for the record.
2:46
